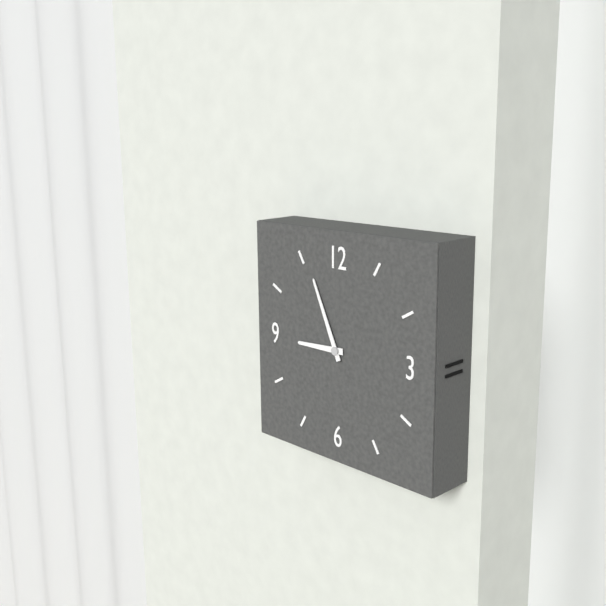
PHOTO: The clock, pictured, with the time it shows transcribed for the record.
8:56
